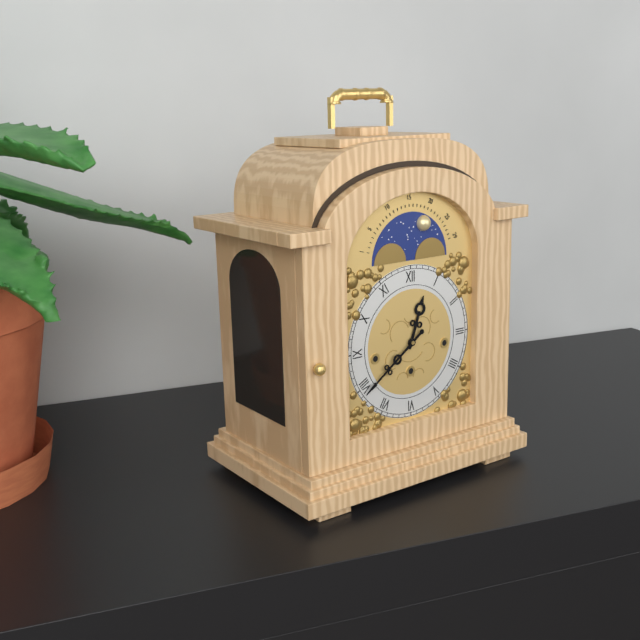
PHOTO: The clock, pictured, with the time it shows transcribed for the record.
12:39
